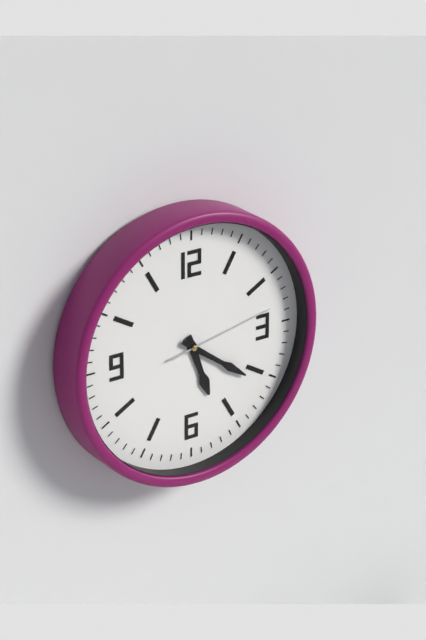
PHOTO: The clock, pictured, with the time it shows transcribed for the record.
5:21:13
